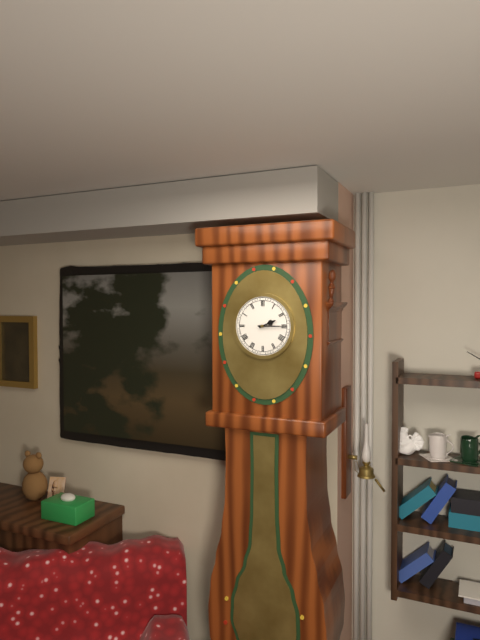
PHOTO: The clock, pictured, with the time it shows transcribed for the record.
2:15
